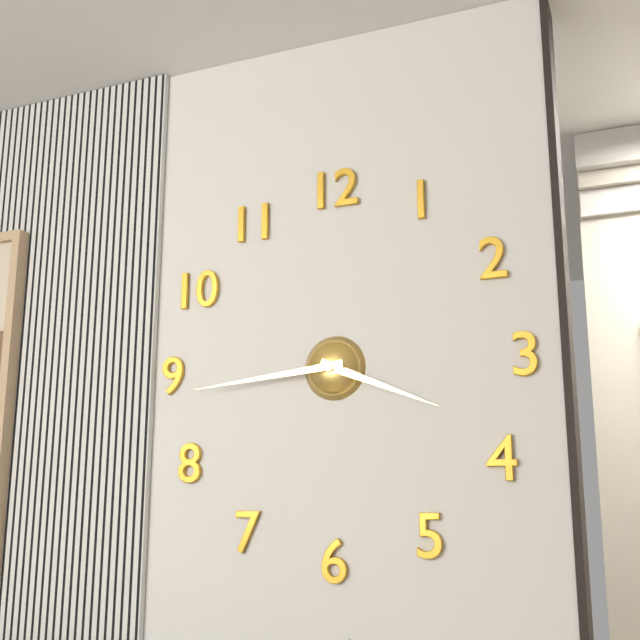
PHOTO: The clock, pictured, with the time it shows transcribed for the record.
3:44
